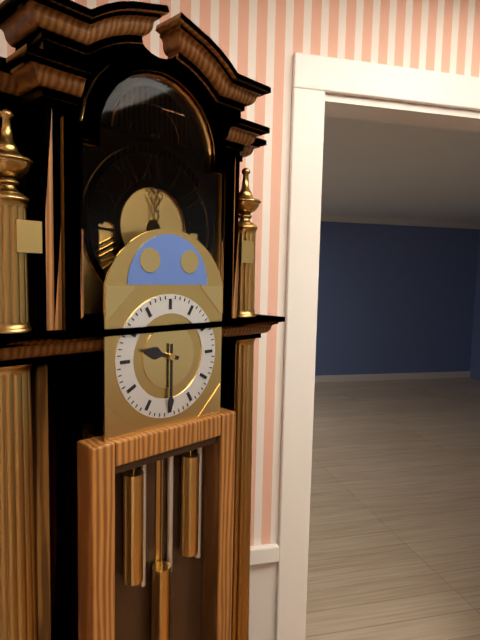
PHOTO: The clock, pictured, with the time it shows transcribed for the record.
9:30
